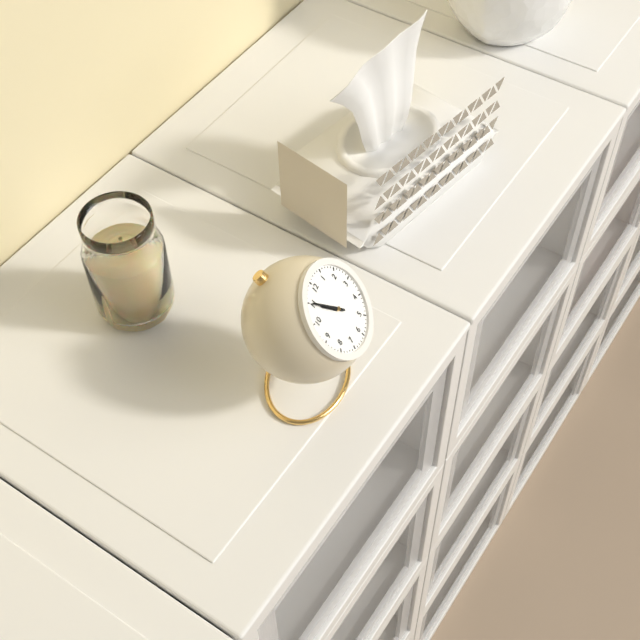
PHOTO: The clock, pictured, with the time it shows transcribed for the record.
10:55
